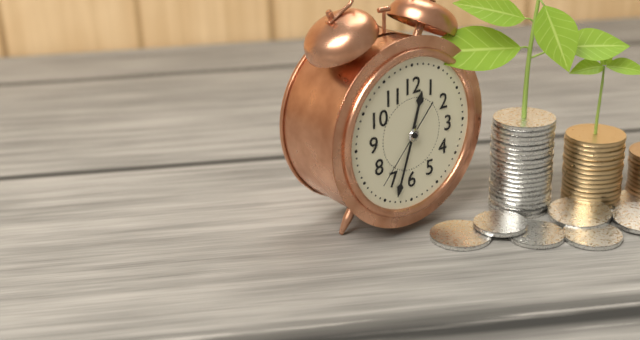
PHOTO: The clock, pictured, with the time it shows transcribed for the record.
12:33:37
